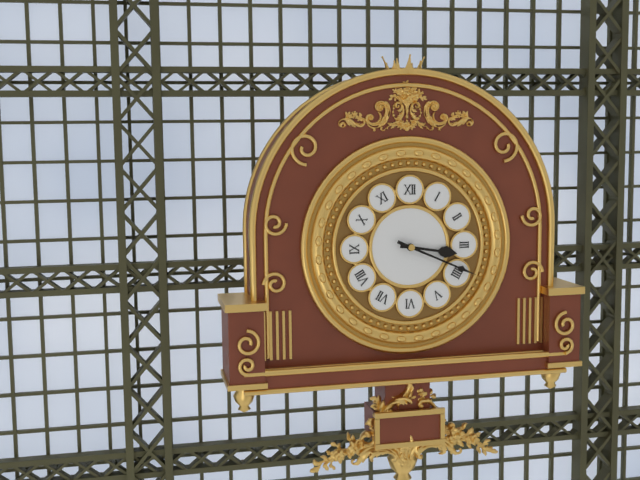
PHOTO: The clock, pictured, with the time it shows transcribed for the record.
3:19
